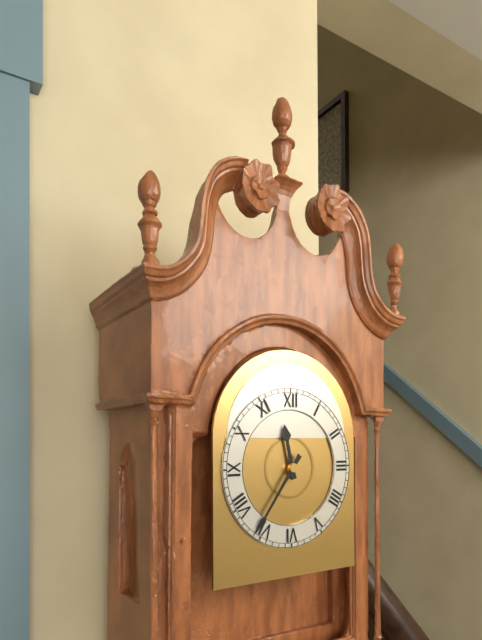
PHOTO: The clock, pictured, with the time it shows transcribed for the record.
11:36
